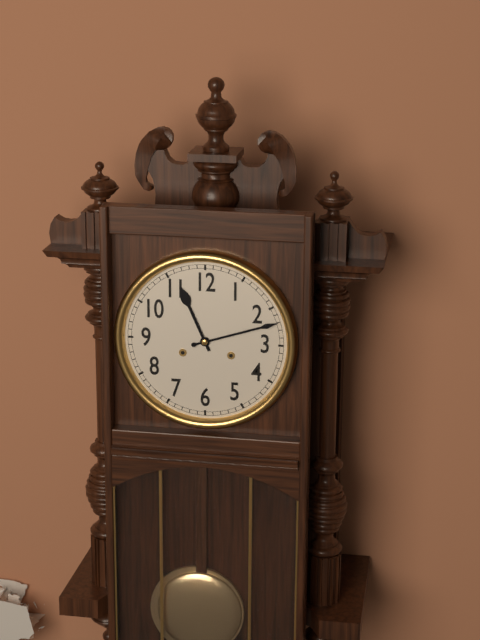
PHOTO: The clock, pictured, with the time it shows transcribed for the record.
11:12
